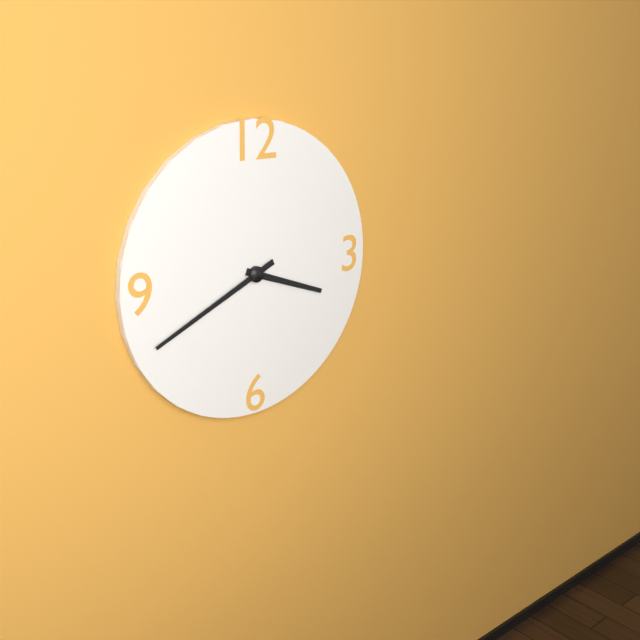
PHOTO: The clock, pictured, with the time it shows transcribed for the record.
3:41
